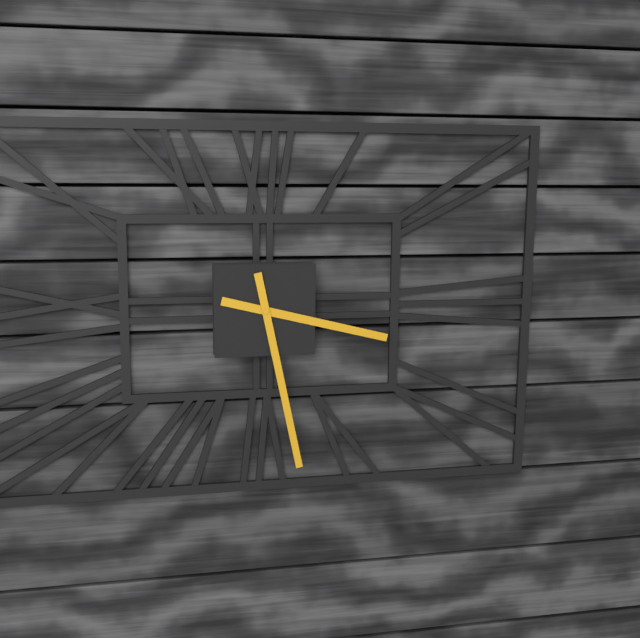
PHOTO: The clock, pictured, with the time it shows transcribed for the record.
3:28
